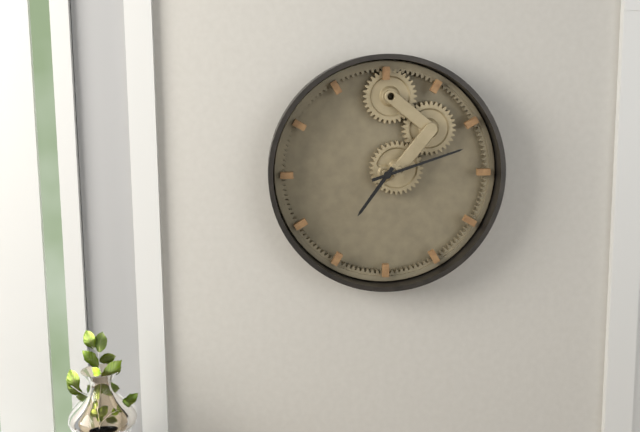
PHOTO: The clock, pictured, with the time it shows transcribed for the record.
7:12
